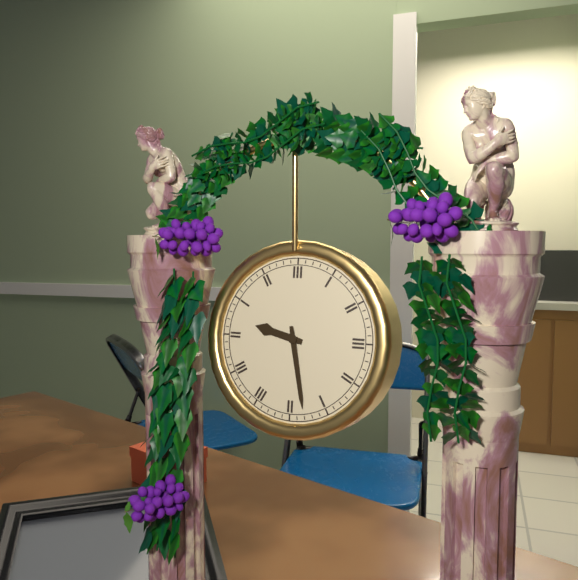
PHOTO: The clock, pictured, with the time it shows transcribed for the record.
9:28
